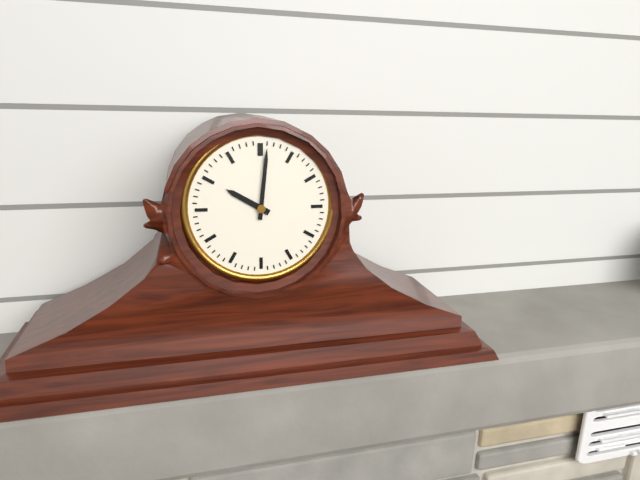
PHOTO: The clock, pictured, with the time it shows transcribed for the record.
10:01
